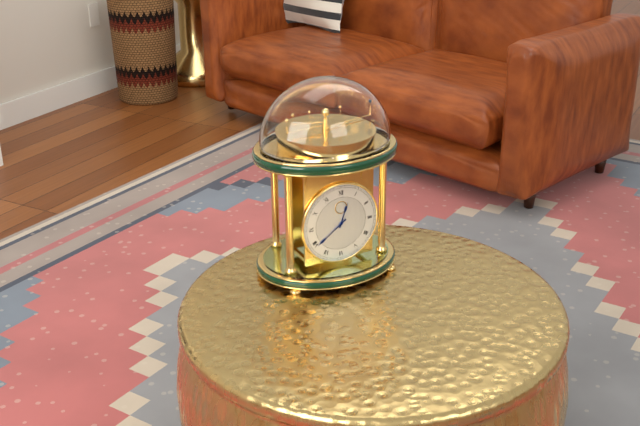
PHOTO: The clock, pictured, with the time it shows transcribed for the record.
12:39
